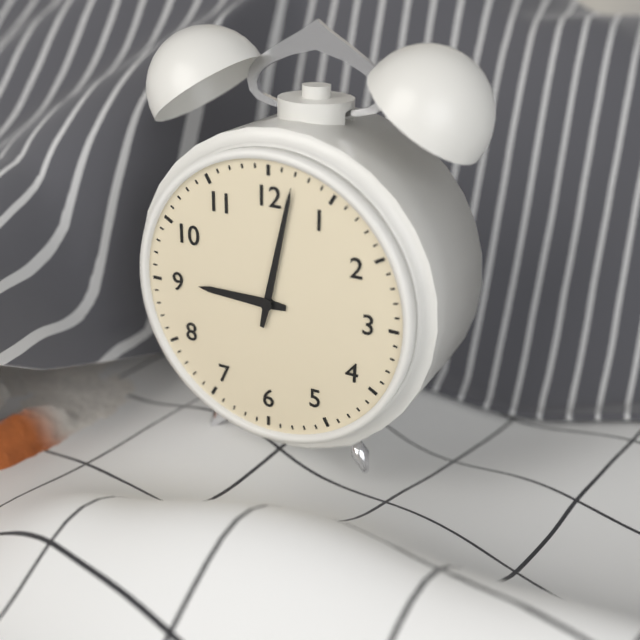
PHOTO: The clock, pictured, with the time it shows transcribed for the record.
9:02
